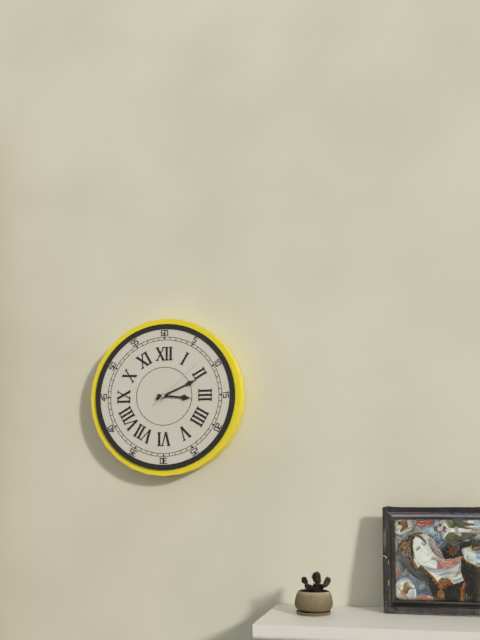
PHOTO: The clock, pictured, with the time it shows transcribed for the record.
3:11:08
